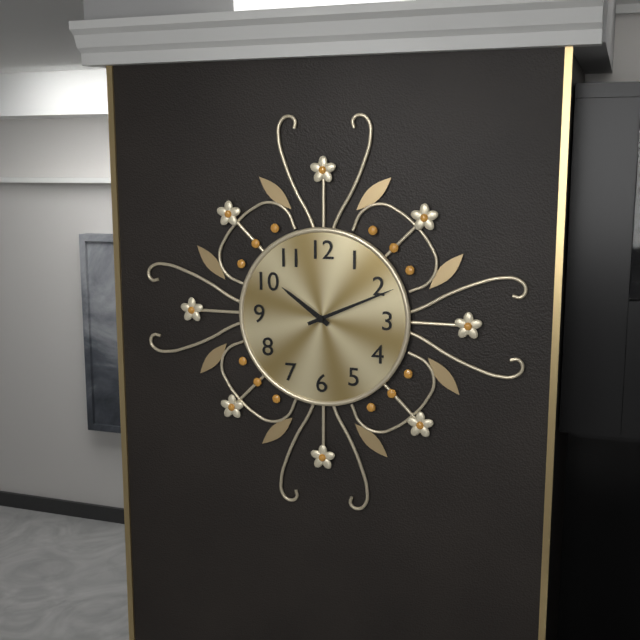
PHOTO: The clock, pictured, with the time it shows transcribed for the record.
10:11
